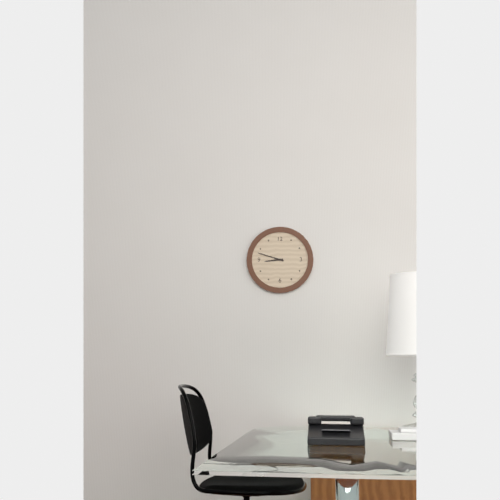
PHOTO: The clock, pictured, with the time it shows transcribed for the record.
8:48
